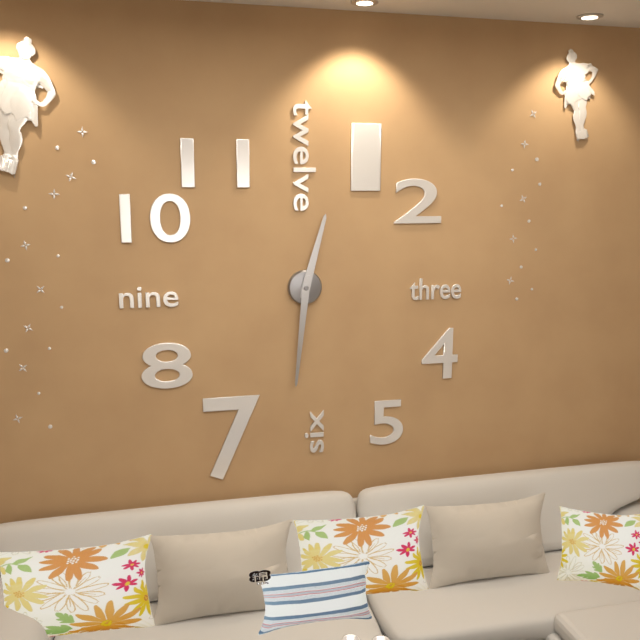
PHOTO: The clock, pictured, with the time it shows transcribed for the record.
12:31
